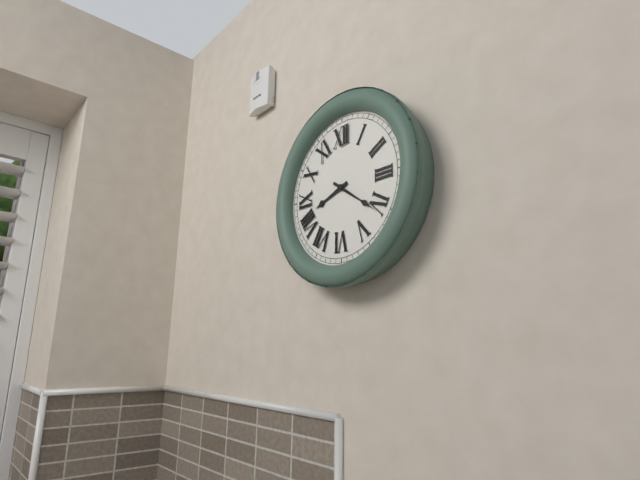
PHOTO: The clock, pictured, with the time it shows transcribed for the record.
8:21
